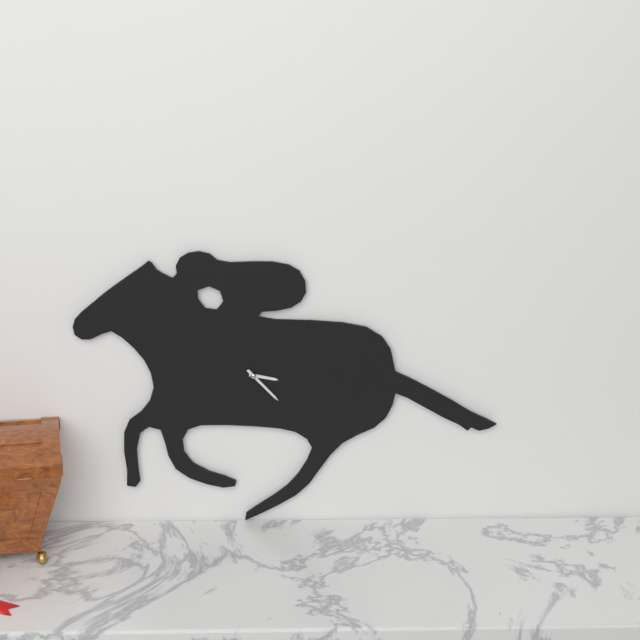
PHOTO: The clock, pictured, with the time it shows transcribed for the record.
3:23
